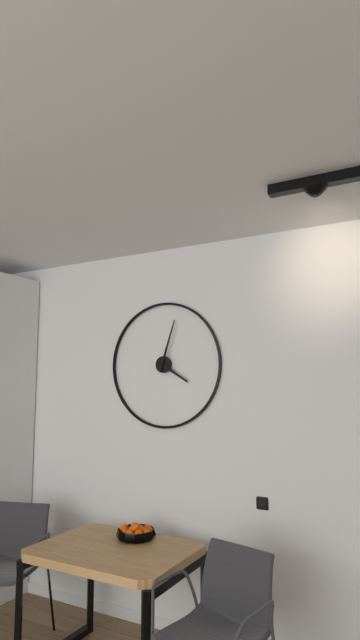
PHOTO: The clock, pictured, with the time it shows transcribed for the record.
4:03
